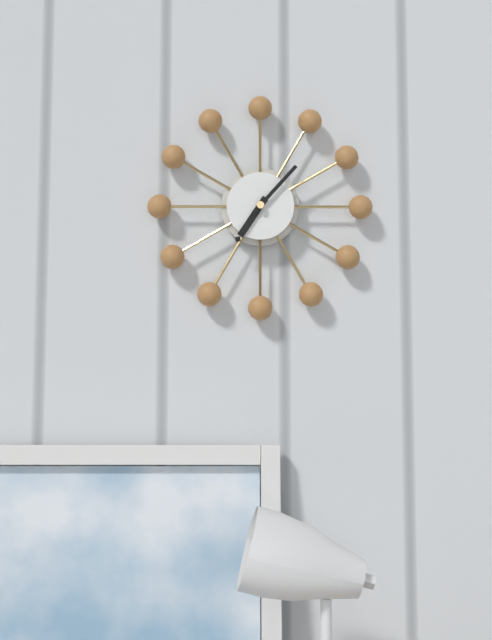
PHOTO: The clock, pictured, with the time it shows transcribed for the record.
7:07
